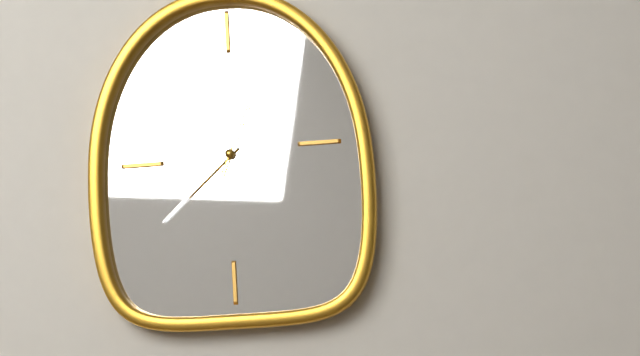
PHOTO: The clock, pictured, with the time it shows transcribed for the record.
7:38:04
